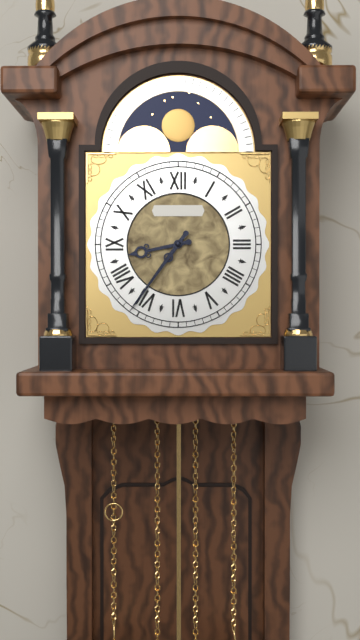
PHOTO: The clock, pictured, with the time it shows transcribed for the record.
8:36
